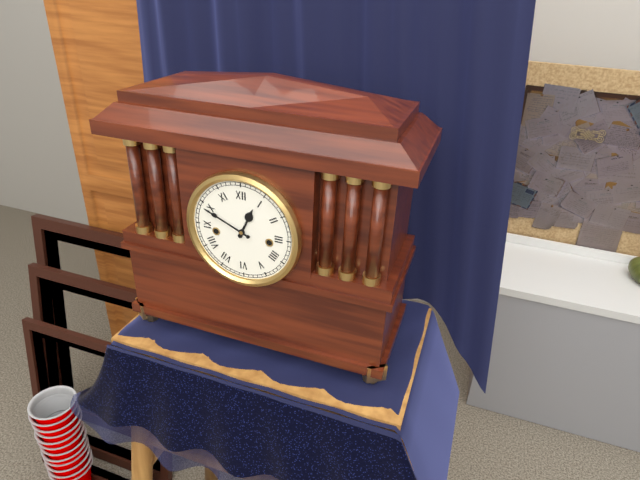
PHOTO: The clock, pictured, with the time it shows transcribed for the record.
12:49
